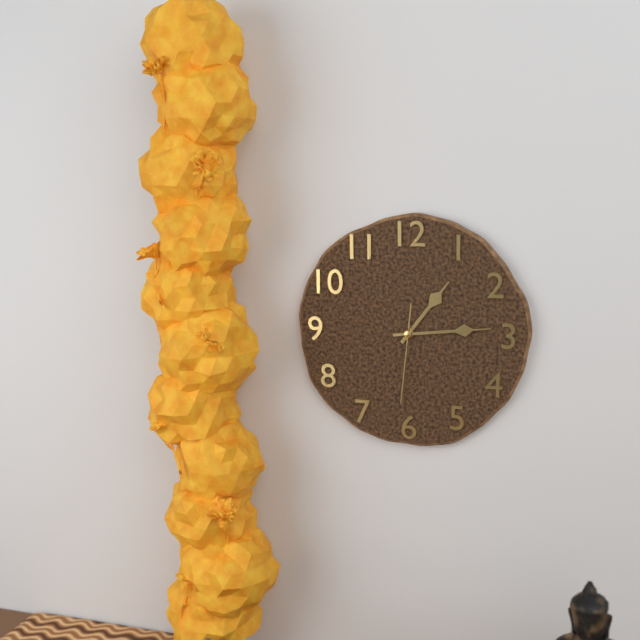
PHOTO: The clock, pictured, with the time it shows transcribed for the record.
1:14:31
